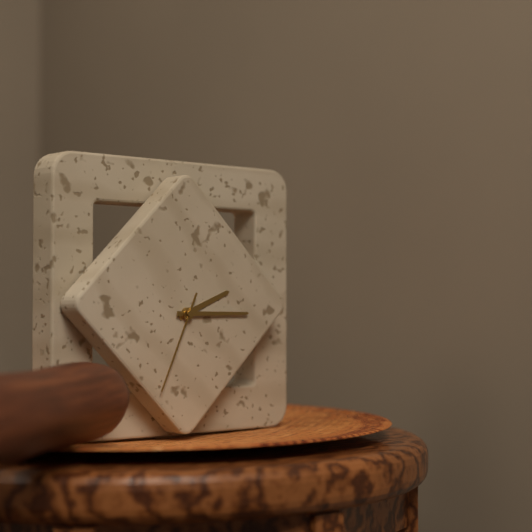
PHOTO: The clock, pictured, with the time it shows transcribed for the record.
2:15:34
